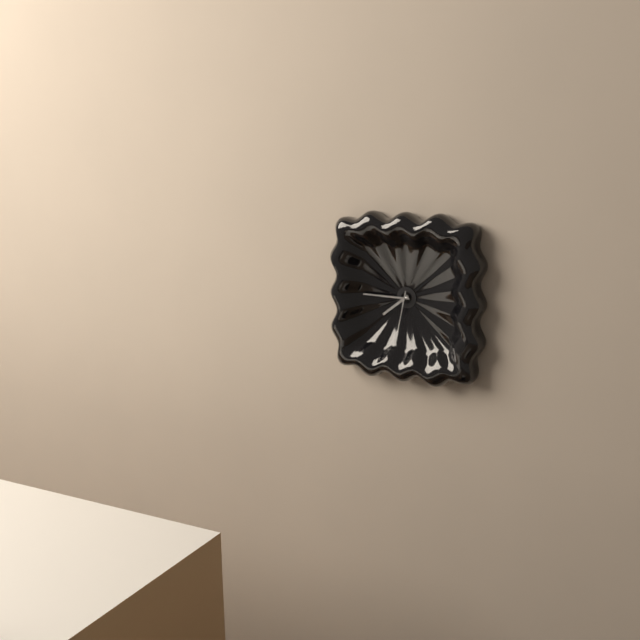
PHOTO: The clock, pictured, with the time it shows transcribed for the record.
7:45
